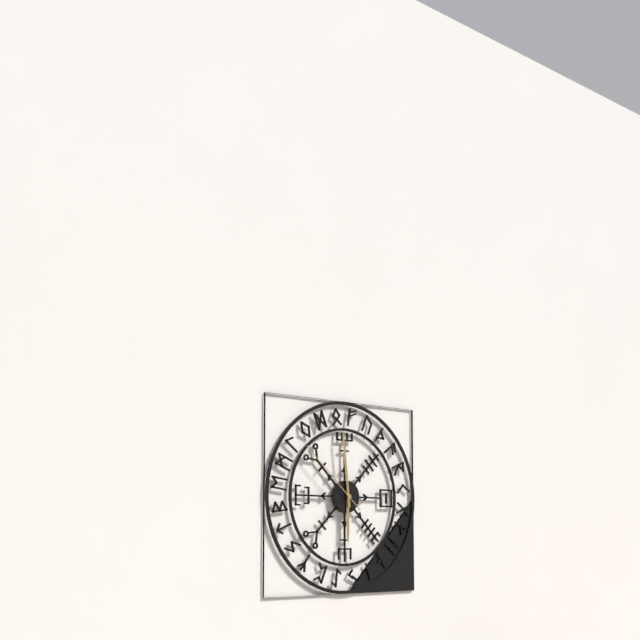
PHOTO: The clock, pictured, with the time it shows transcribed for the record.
5:59:52
